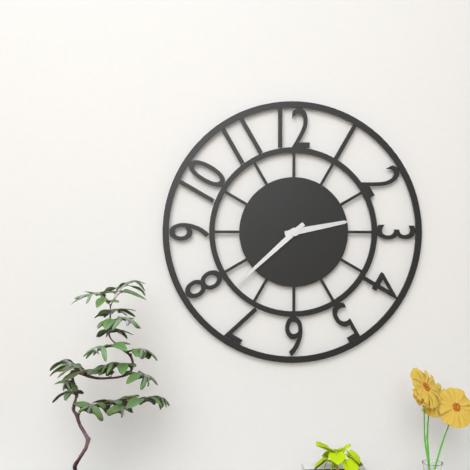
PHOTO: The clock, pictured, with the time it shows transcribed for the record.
2:38
